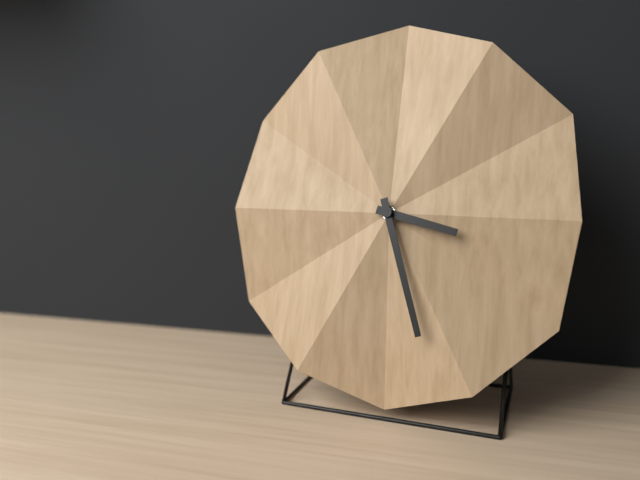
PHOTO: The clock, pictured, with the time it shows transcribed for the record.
3:27
